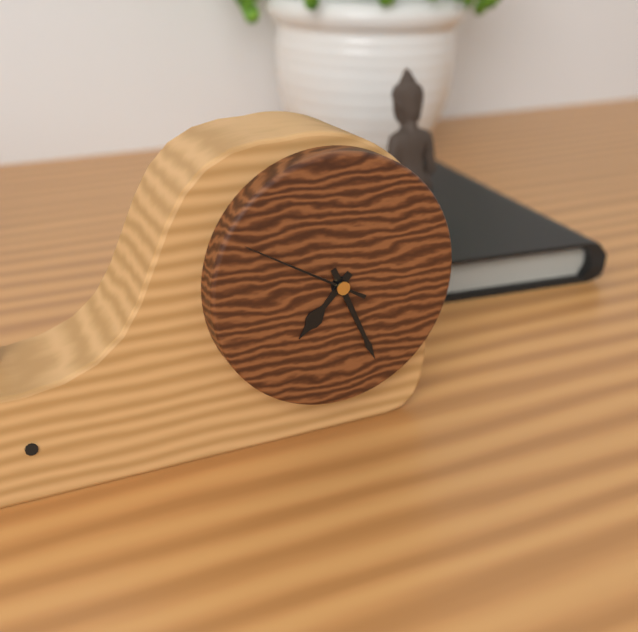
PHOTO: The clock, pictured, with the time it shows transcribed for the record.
7:26:50
